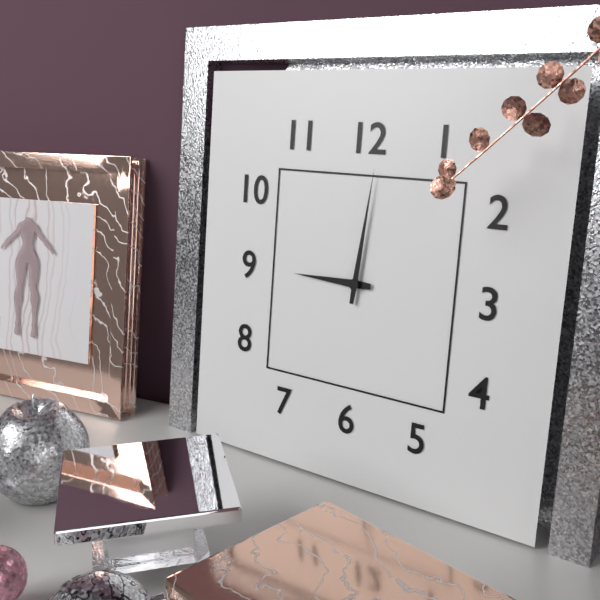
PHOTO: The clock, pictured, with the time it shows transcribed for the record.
9:01
